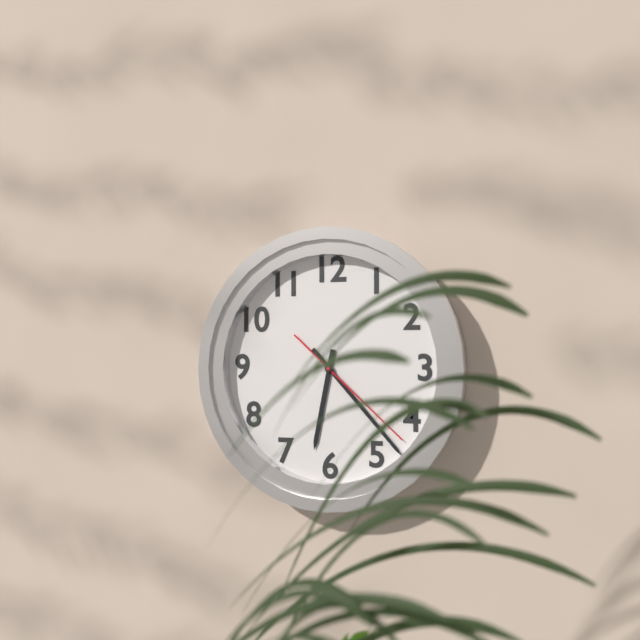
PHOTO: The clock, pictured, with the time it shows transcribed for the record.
6:23:22
